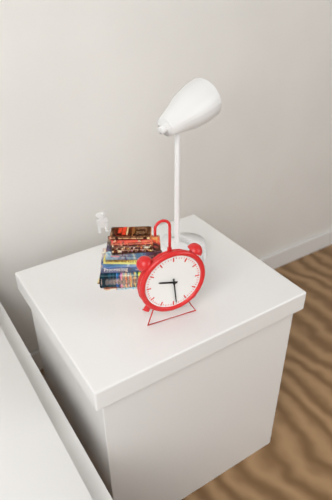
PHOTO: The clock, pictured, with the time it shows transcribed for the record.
9:29
